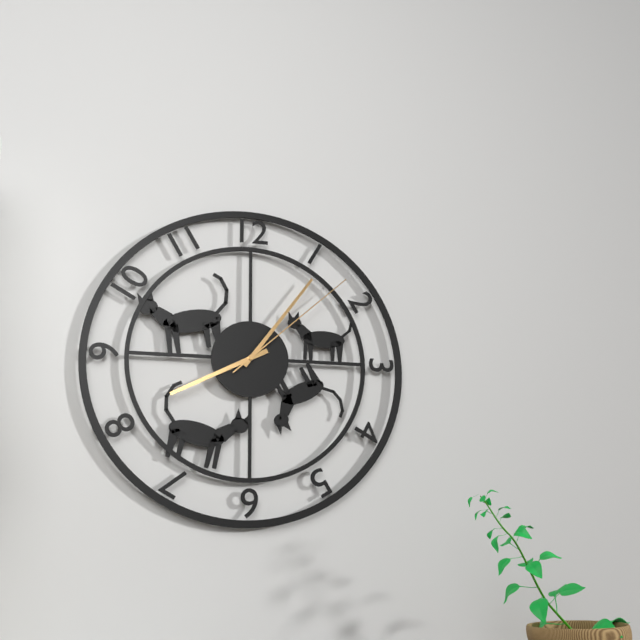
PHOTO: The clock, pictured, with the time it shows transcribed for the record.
8:06:08
